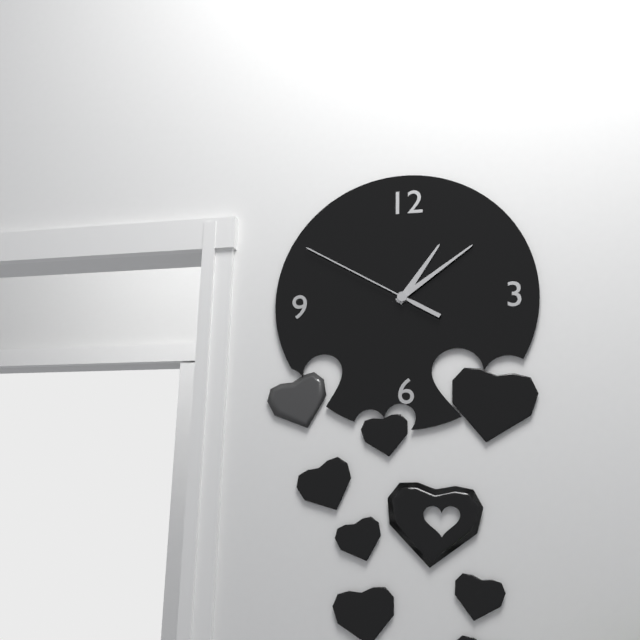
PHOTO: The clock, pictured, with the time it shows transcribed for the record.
1:09:50
